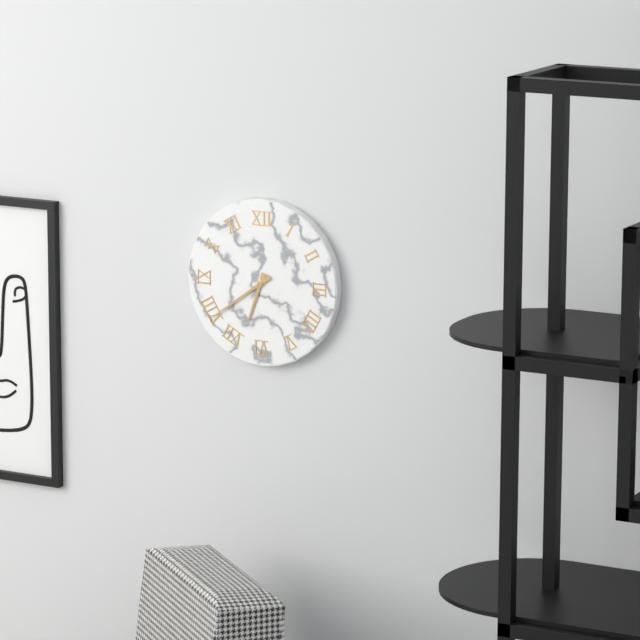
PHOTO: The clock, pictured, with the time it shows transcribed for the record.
6:39
